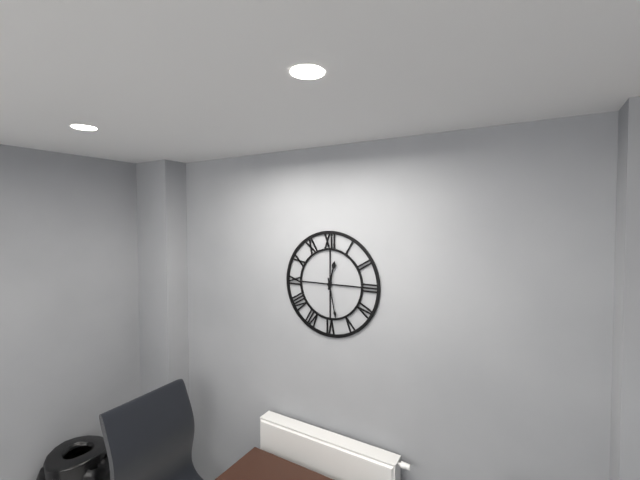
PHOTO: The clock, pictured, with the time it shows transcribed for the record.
12:28
